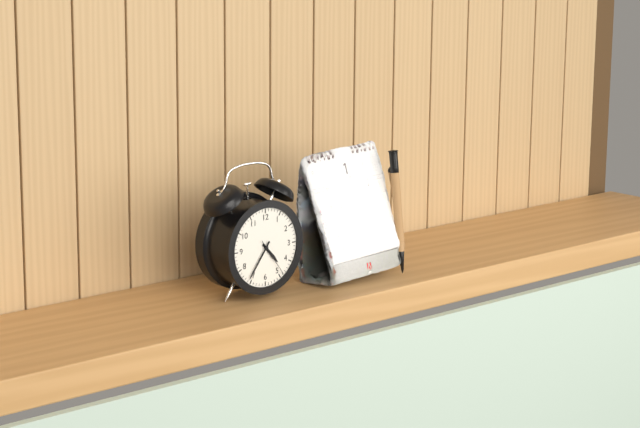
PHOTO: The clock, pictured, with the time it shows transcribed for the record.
4:36
